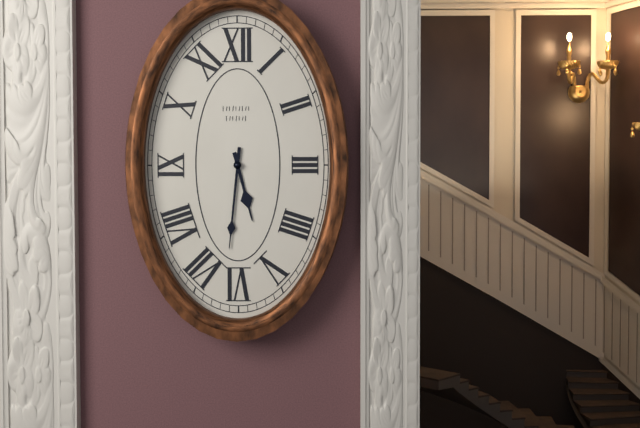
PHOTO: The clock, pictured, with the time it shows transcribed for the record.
5:31
